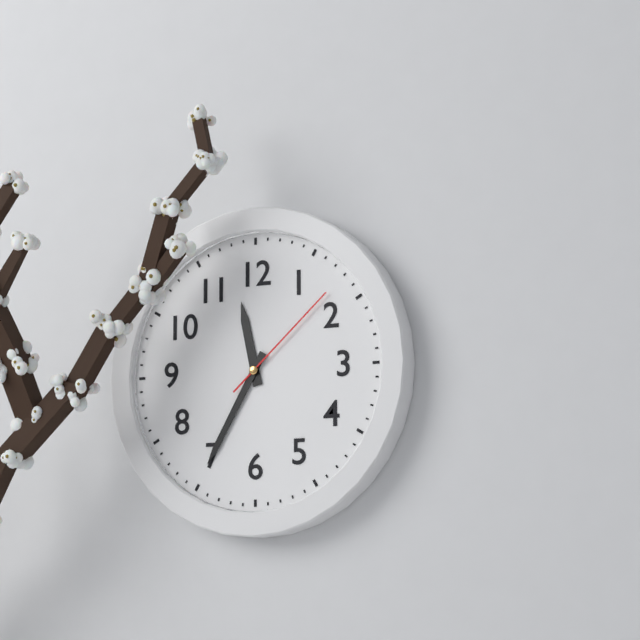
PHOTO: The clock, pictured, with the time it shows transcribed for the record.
11:35:08
